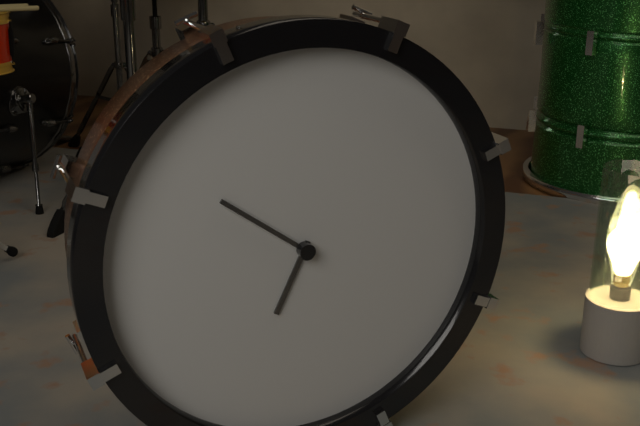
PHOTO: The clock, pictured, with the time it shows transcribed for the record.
6:51
